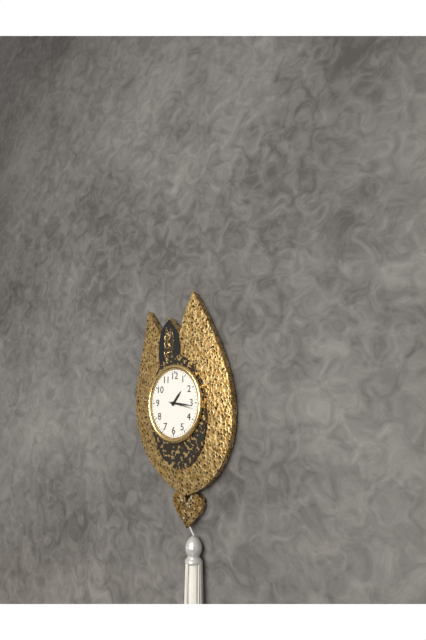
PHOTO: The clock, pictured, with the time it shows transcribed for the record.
1:16
